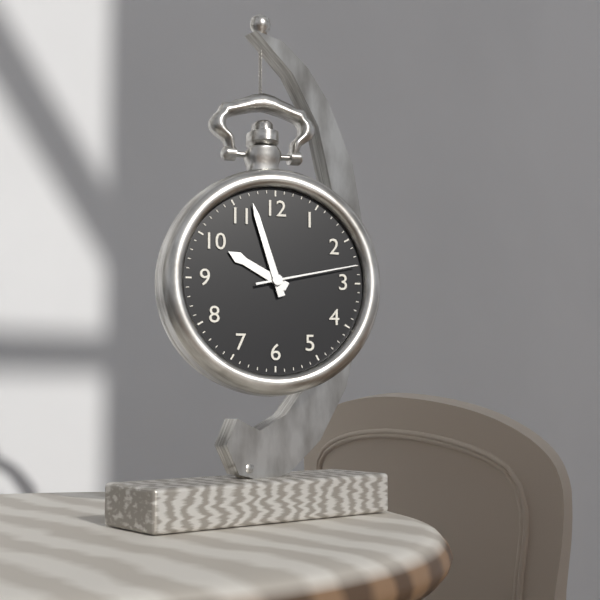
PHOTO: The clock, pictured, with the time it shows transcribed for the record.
9:57:13
